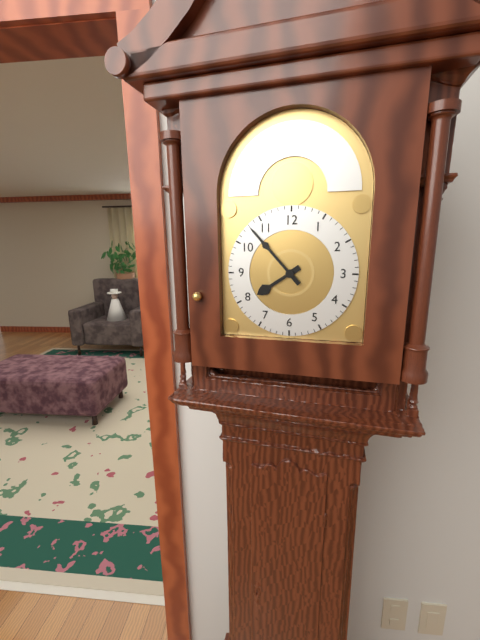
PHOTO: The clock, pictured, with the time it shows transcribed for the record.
7:53
